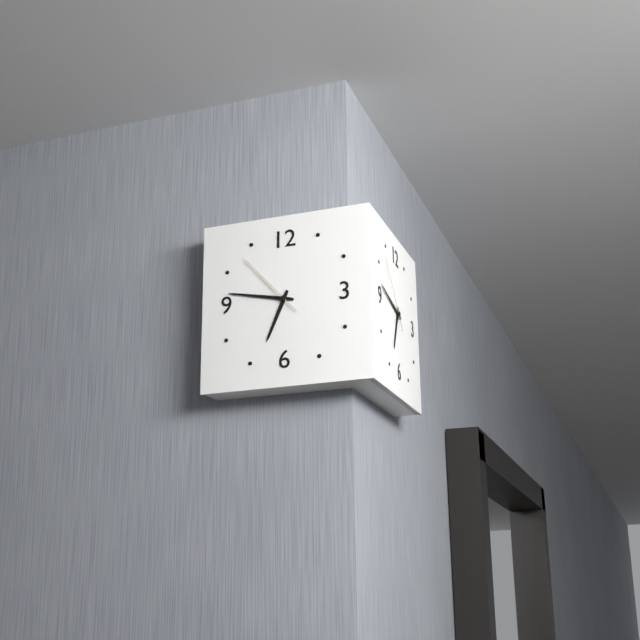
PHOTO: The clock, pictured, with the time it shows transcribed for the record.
6:47:53
